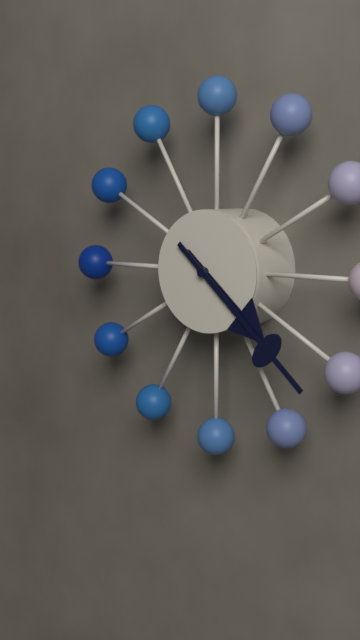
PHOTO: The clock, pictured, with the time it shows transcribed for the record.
4:22
